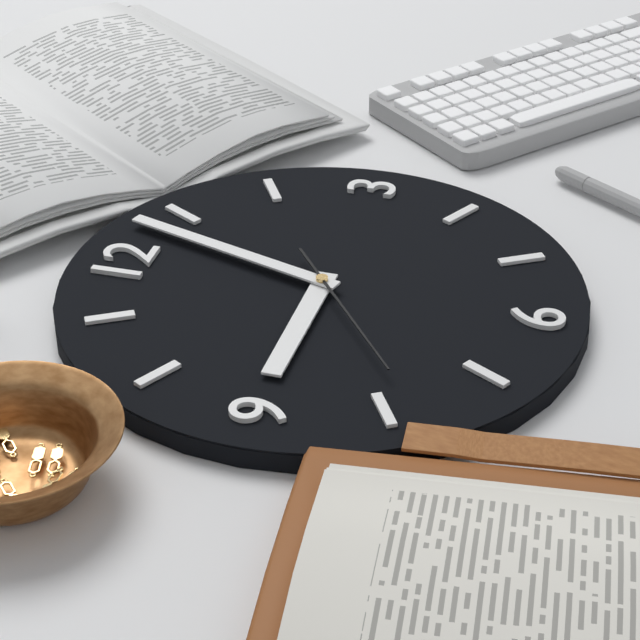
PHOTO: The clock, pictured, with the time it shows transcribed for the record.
9:03:39
